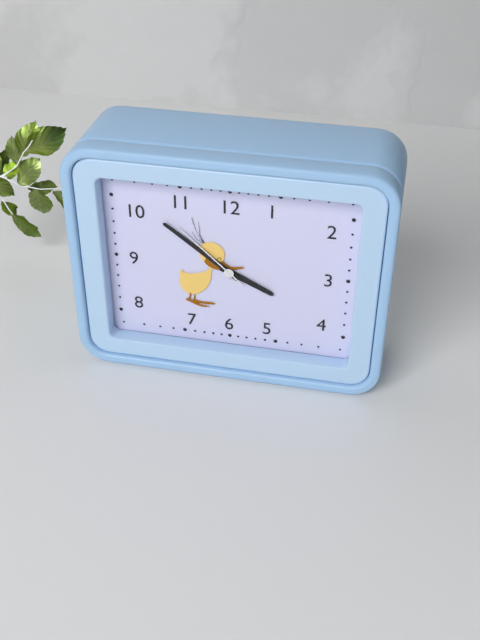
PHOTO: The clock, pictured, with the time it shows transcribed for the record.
3:51:52
